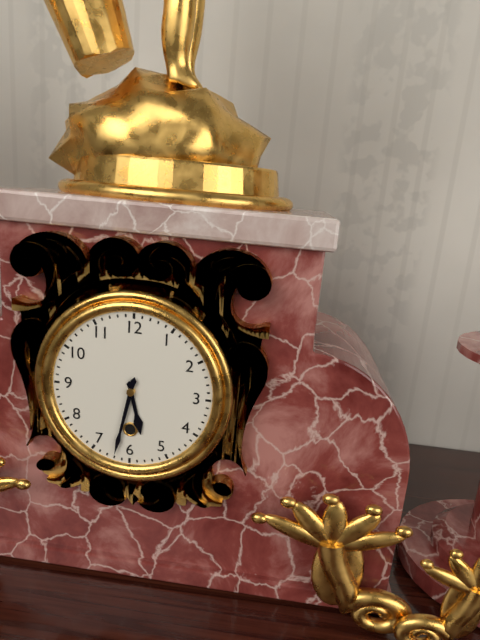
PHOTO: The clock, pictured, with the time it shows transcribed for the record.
5:32
